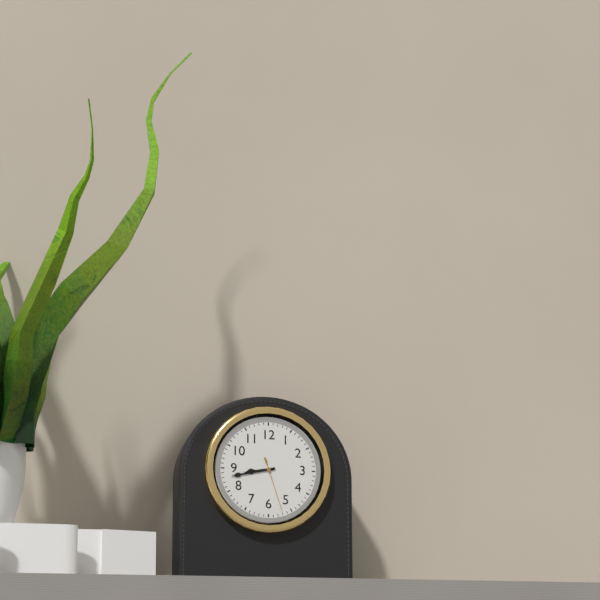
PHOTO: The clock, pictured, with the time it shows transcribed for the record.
8:43:27
